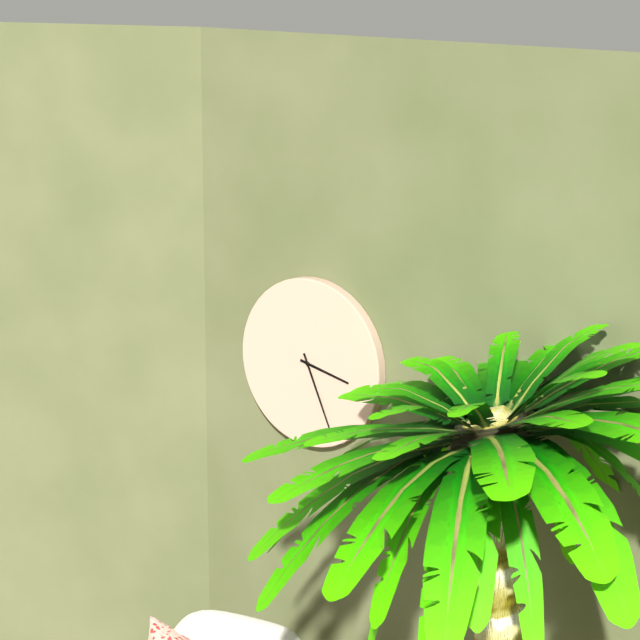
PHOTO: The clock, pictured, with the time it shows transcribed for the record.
3:26
